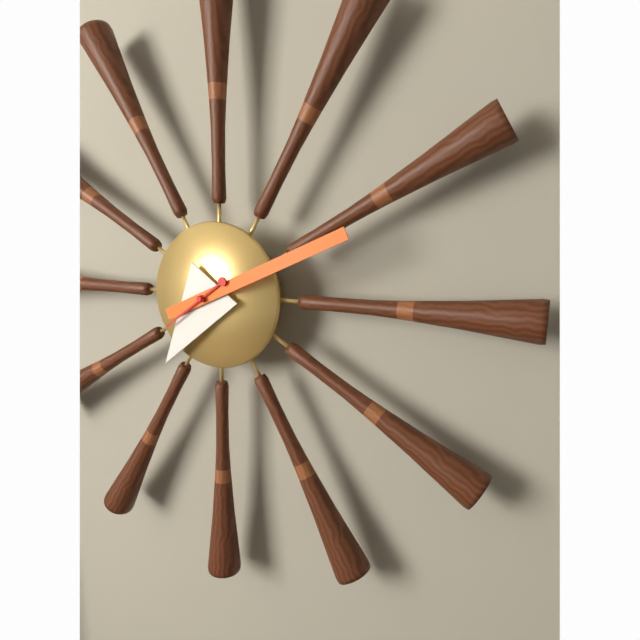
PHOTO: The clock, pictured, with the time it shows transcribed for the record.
7:11:39
